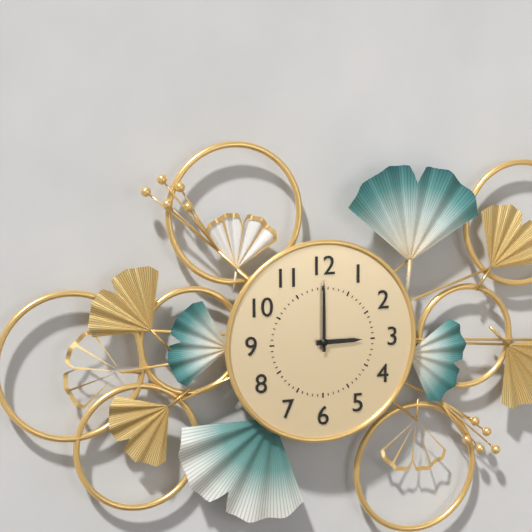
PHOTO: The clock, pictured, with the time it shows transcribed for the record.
3:00
